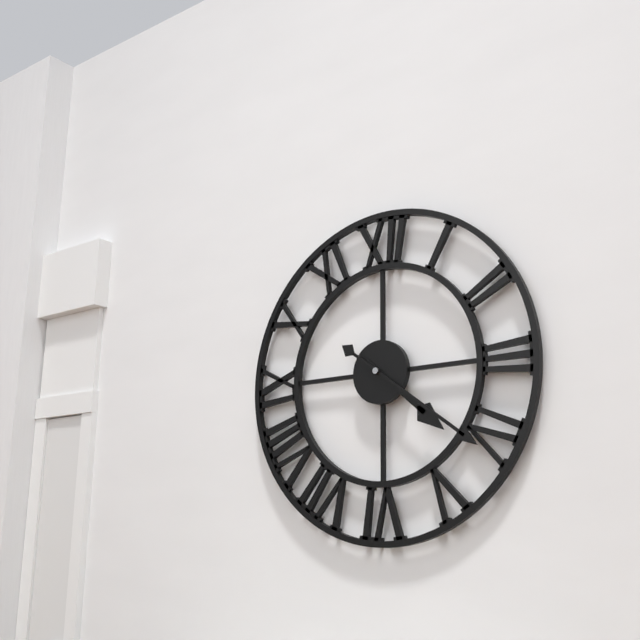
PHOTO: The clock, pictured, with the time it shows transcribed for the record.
4:21
